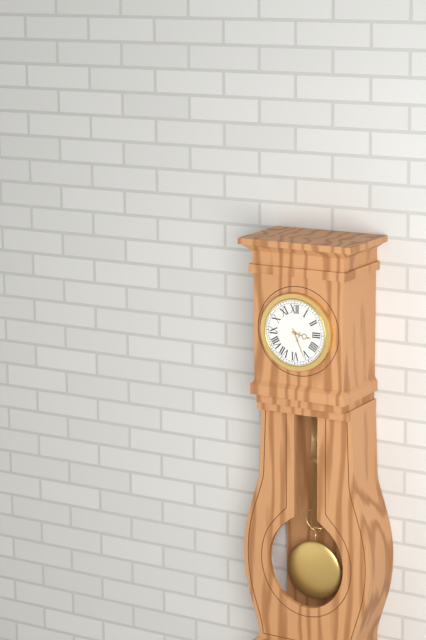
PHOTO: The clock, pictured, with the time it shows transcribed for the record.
3:26
